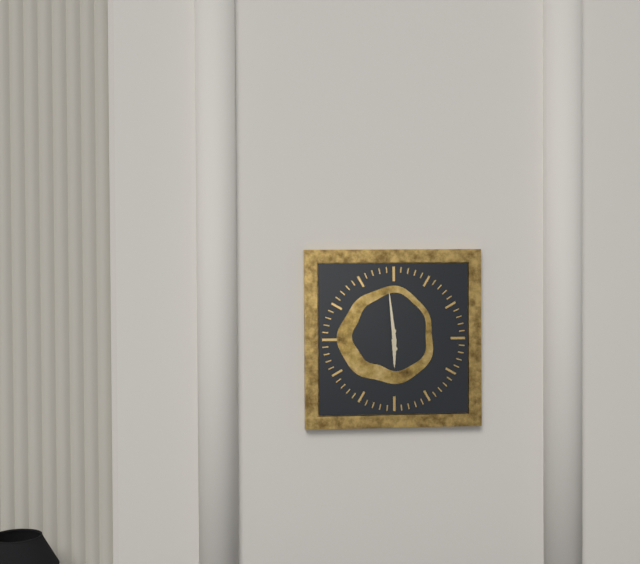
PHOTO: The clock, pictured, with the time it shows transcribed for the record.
5:59
